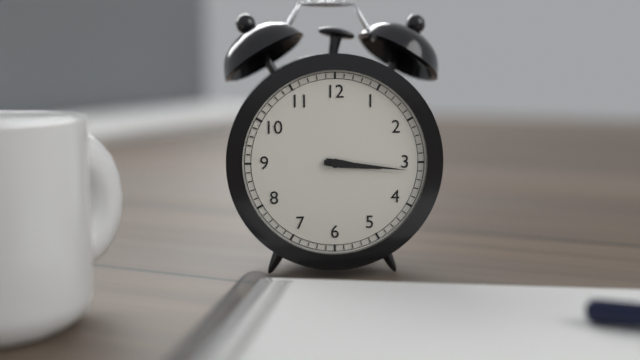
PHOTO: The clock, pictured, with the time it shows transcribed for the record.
3:16
